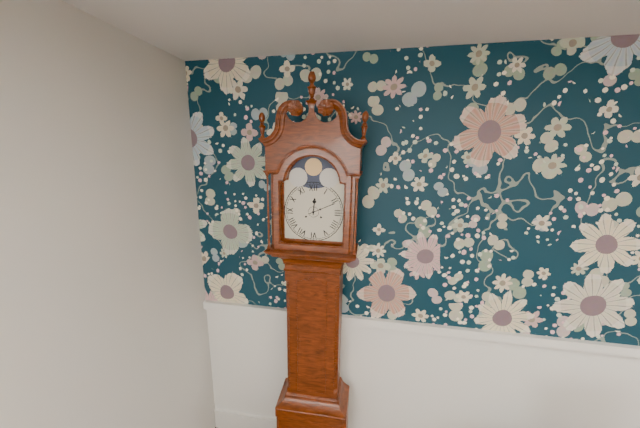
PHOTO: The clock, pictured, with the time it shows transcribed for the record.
12:11
